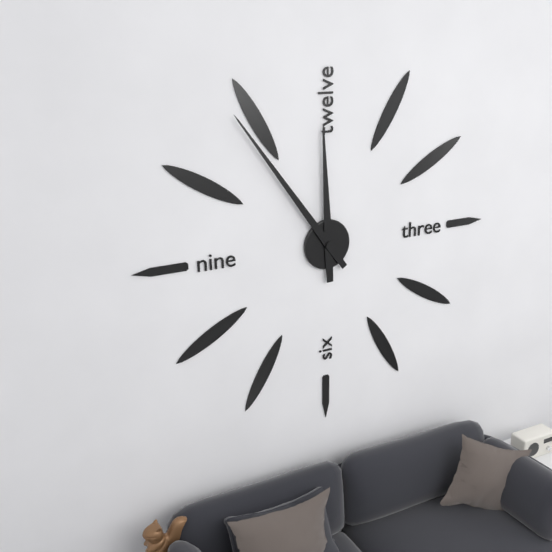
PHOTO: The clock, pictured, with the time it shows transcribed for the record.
11:54
